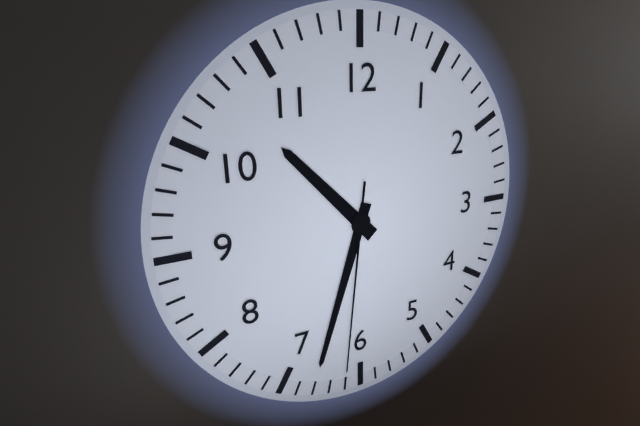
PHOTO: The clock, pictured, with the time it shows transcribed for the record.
10:33:31
